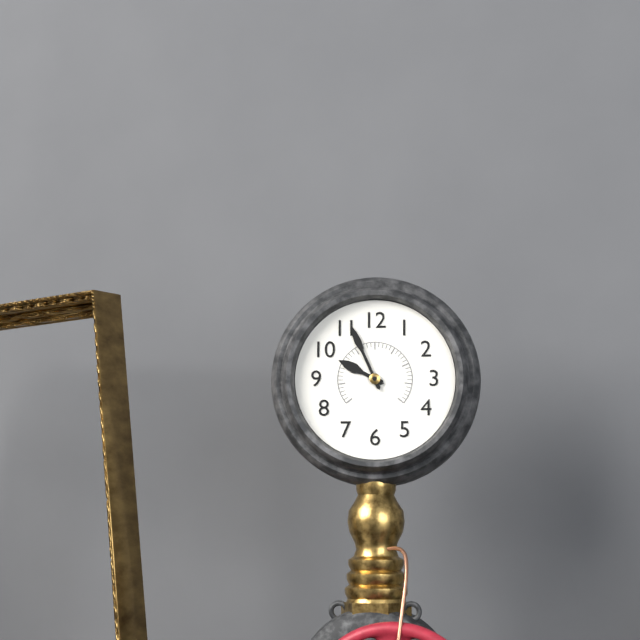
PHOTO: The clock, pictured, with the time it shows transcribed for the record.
9:56
